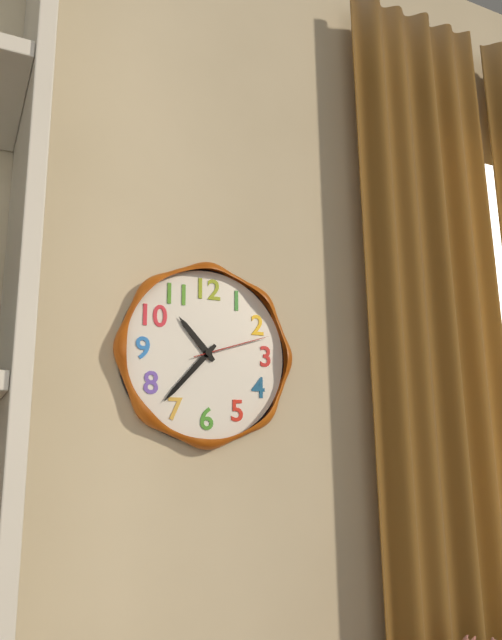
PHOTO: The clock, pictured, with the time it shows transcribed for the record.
10:37:12
